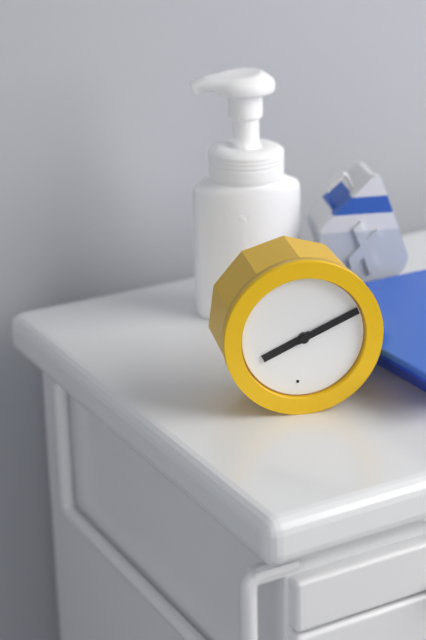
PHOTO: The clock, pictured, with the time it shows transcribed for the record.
8:11
